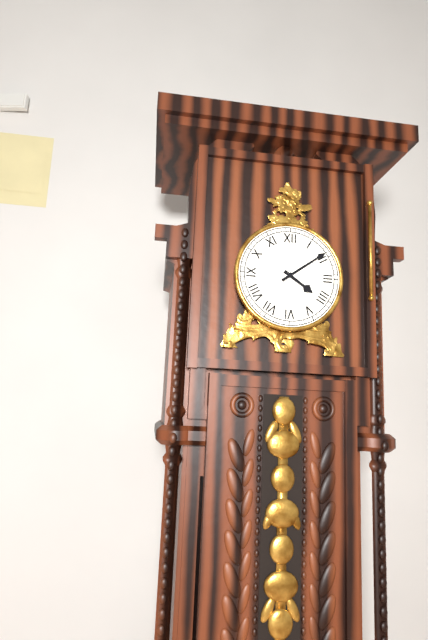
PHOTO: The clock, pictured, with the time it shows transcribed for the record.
4:09
